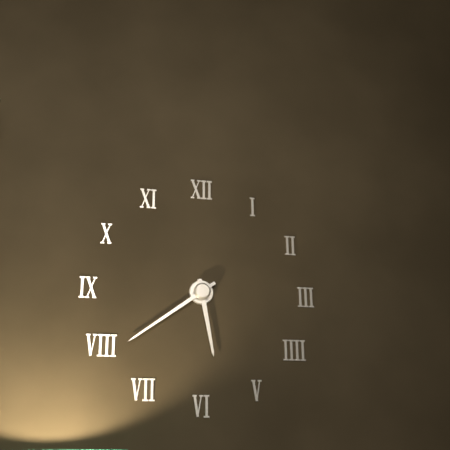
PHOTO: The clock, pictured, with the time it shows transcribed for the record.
5:39
